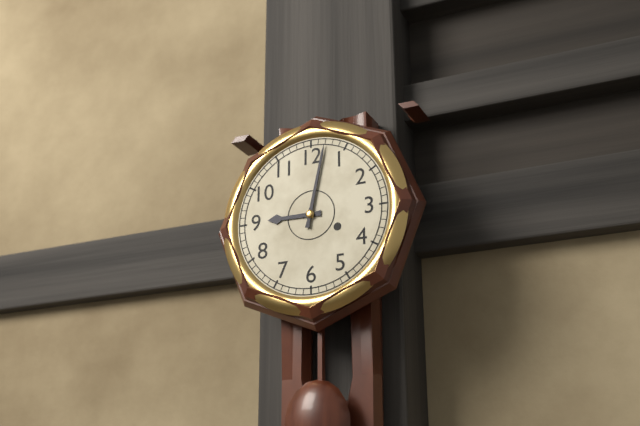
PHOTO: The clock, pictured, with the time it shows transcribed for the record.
9:02
